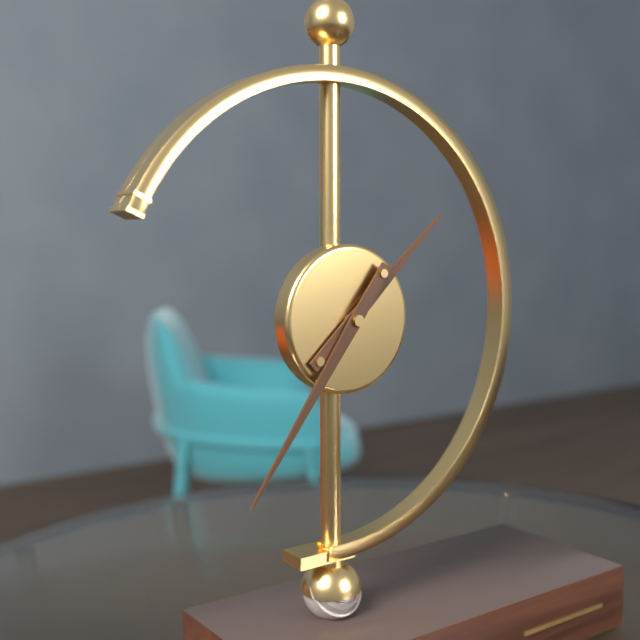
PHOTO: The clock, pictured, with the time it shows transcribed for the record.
1:36
